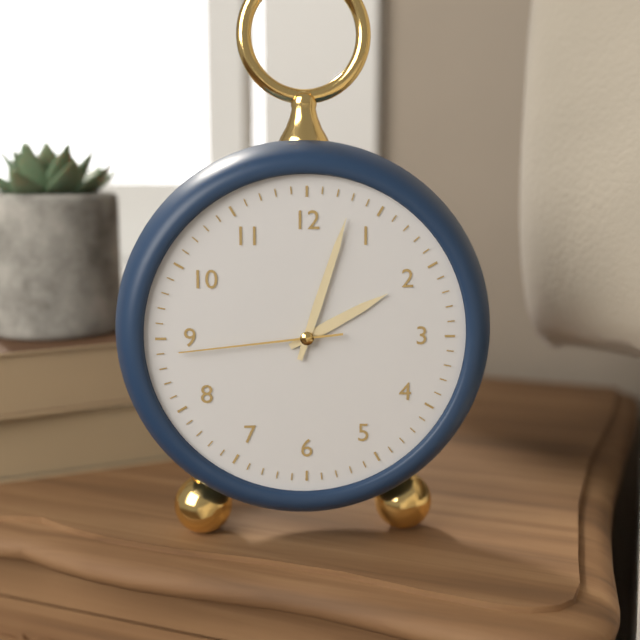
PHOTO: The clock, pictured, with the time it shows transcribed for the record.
2:03:44
